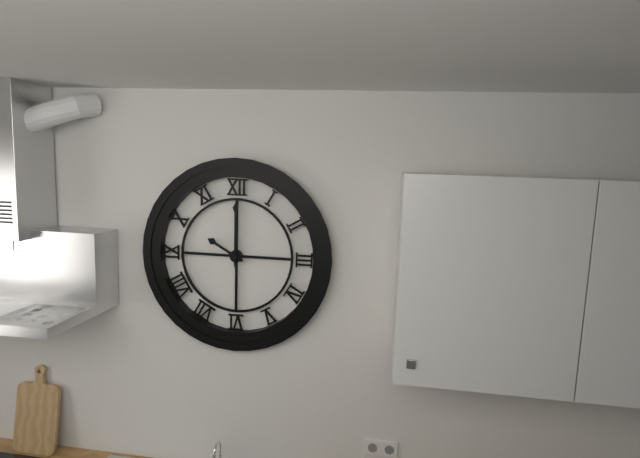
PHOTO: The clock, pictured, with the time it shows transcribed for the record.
10:00
